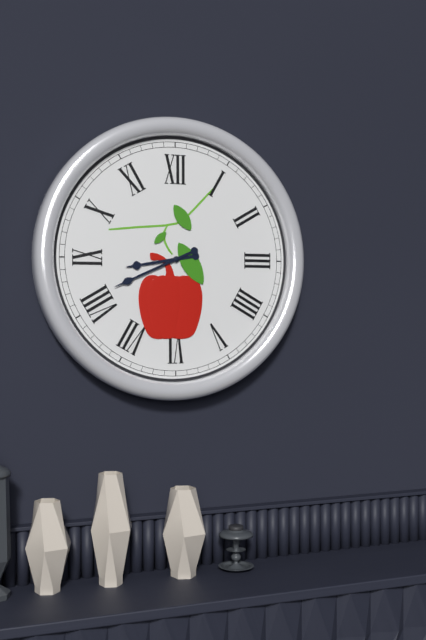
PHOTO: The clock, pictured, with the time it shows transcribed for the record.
8:41
